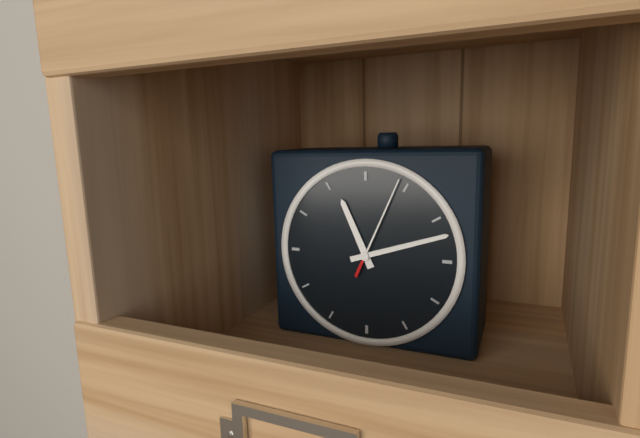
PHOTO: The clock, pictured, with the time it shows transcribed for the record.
11:12:04
